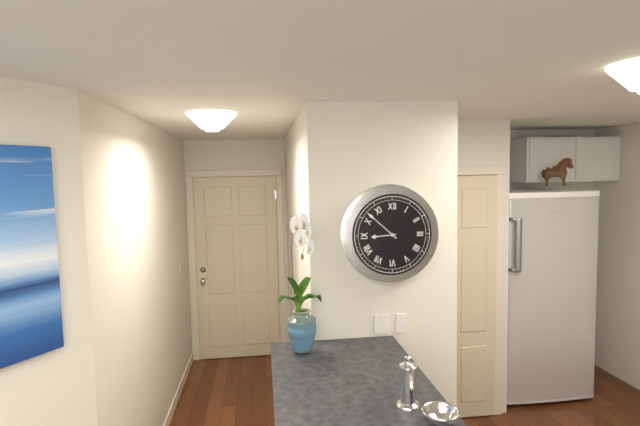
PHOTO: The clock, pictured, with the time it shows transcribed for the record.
8:52
